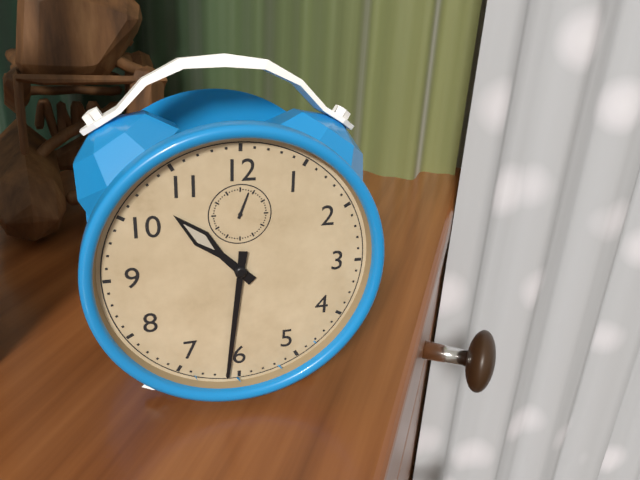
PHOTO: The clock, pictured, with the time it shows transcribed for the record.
10:31
